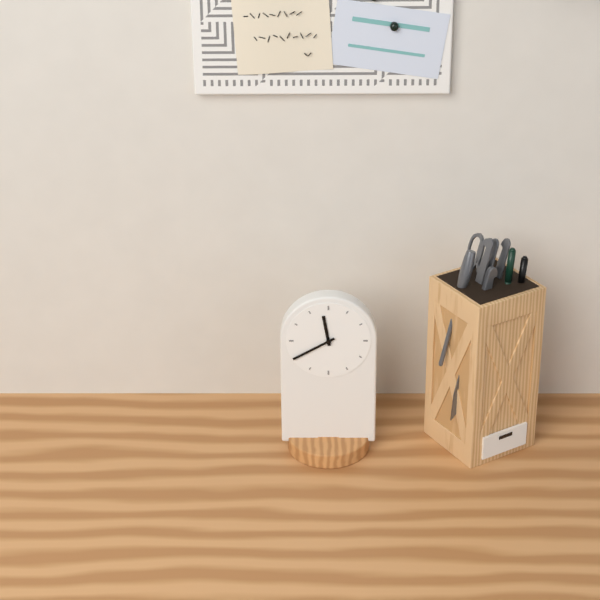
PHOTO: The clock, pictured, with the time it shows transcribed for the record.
11:40
